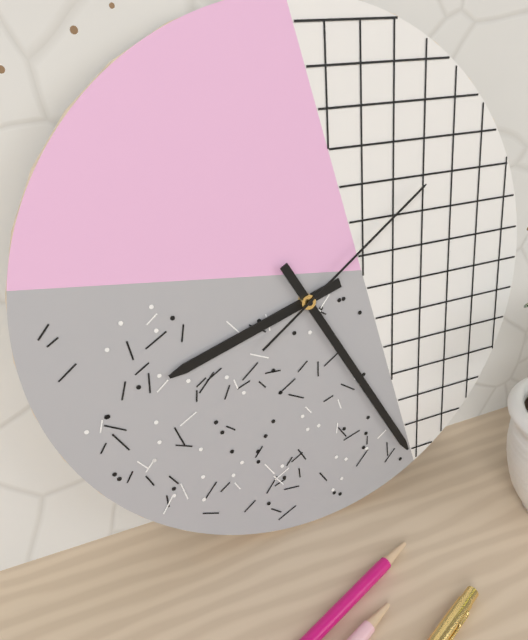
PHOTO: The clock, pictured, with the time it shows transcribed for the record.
8:25:09
